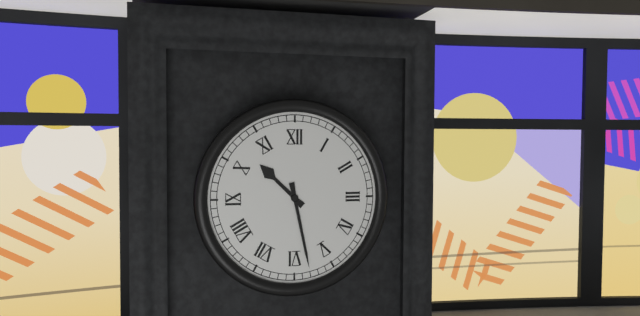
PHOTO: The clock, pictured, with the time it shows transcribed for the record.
10:28
